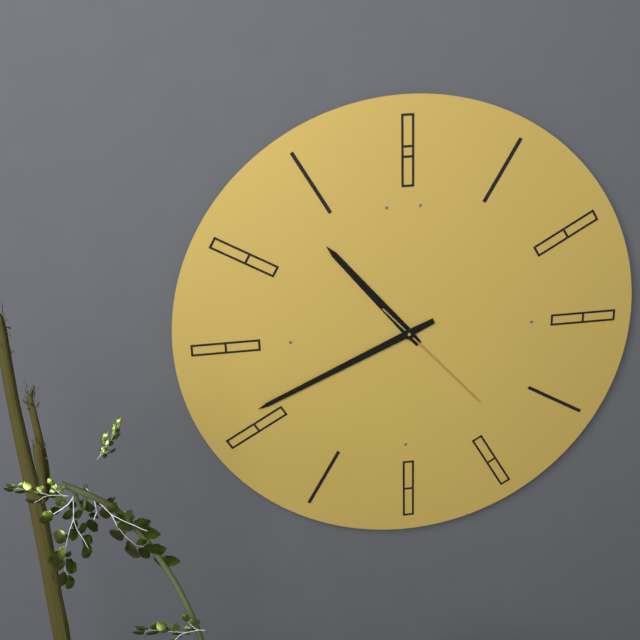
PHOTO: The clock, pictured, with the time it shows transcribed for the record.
10:41:23
